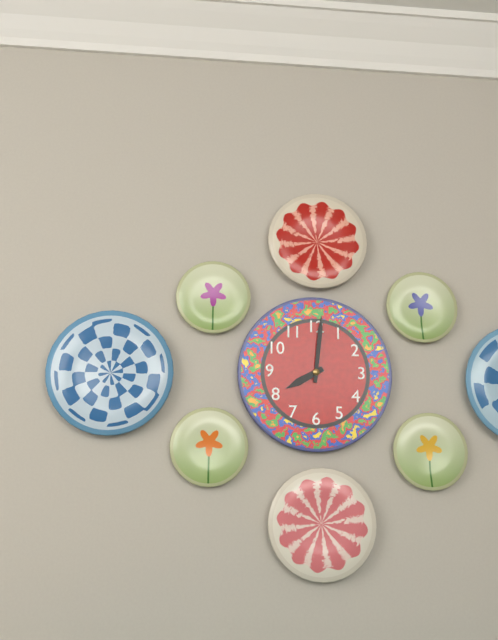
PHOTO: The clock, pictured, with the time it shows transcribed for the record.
8:01
